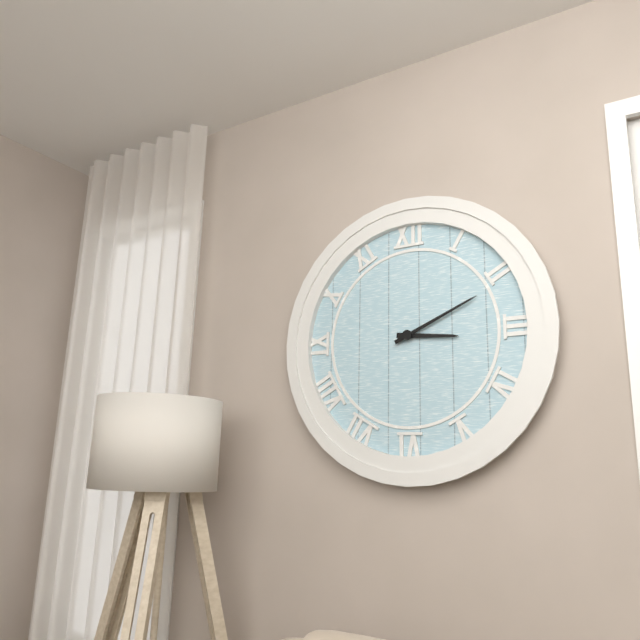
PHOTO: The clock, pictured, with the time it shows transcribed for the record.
3:11
